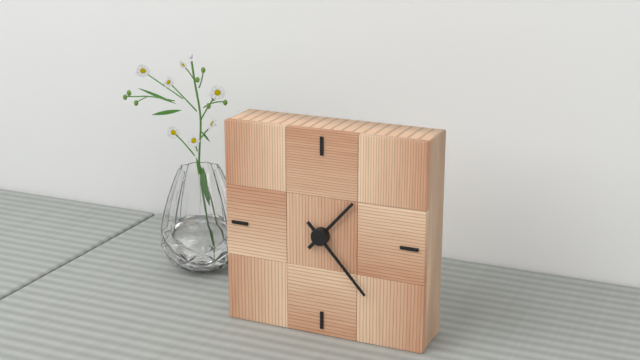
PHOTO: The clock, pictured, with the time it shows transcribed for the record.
1:23
